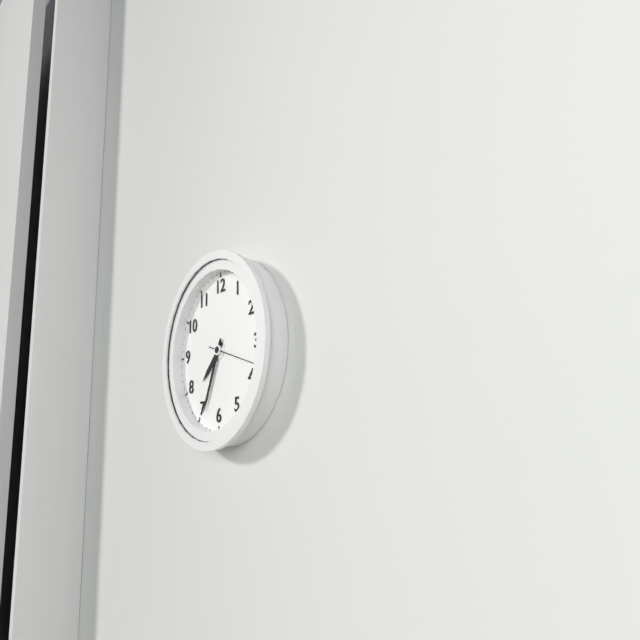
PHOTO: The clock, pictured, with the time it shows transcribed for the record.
7:34
